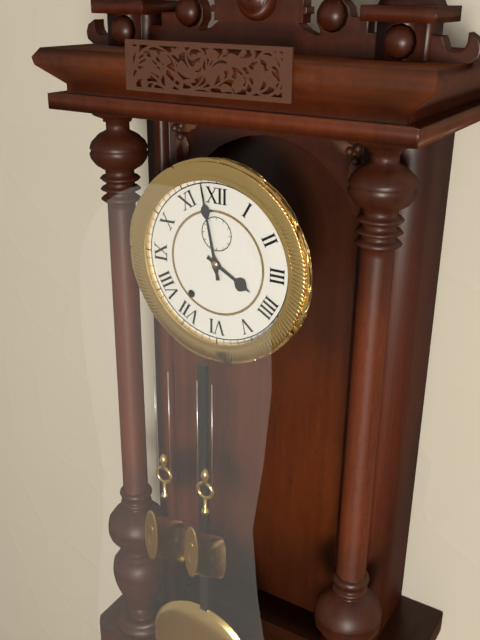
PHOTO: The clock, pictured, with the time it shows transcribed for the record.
3:58
